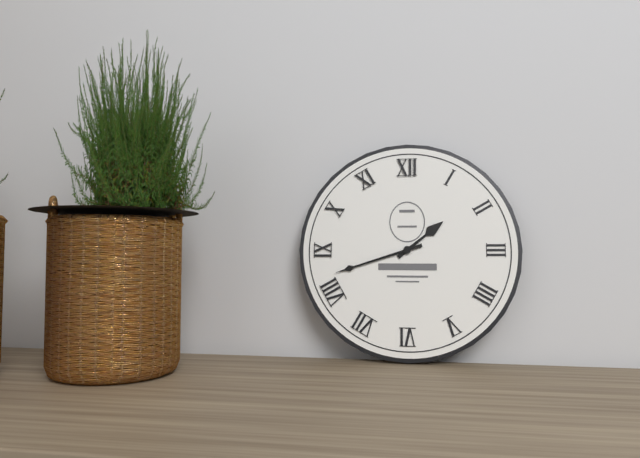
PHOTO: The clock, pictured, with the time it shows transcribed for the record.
1:42
